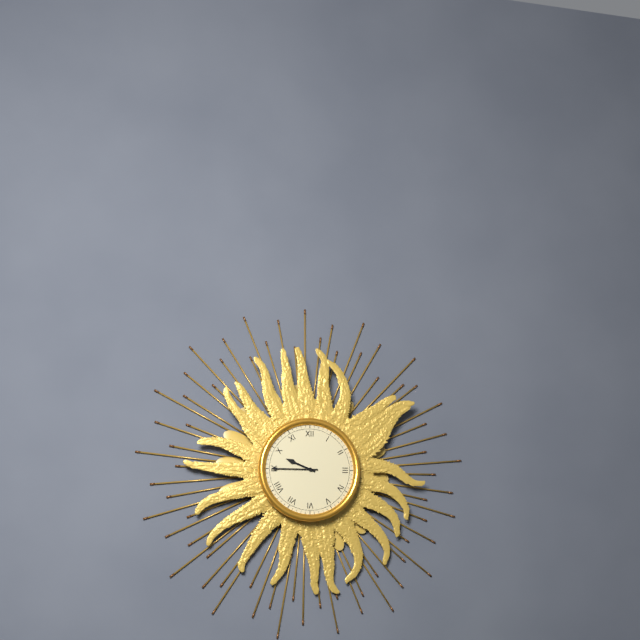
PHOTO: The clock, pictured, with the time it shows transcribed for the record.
9:45
